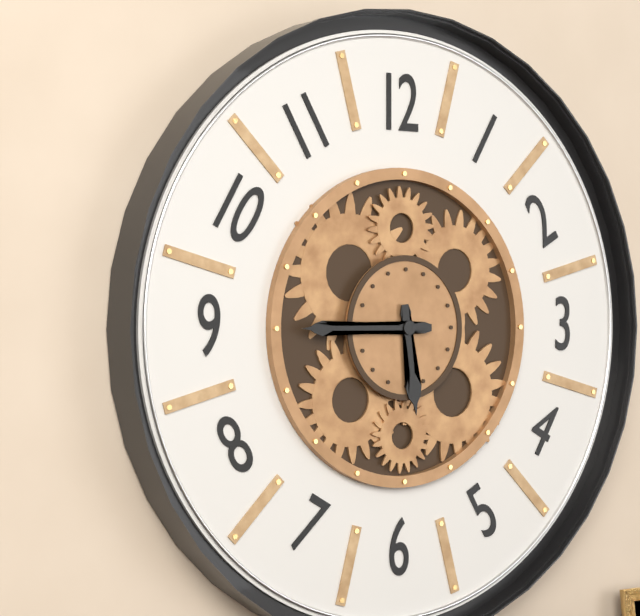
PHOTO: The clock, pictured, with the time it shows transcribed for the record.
5:45
